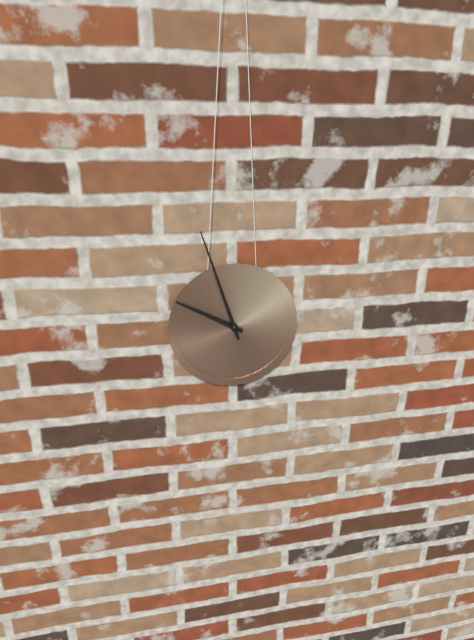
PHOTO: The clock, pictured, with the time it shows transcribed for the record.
9:57
